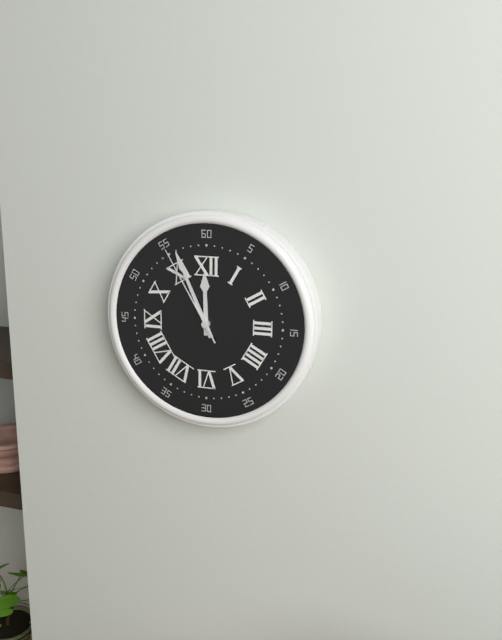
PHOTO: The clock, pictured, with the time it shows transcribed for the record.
11:56:55
